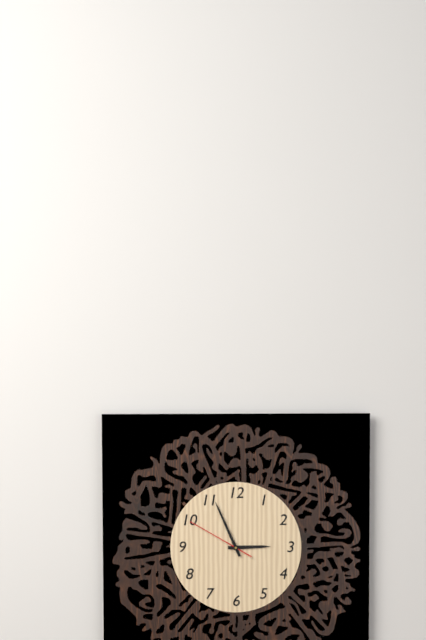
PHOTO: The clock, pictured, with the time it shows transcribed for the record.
2:56:50
